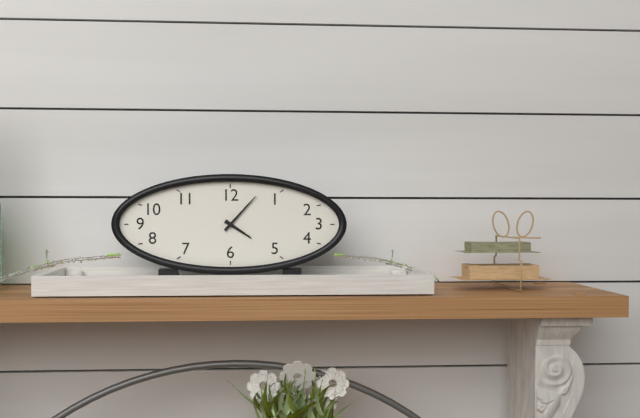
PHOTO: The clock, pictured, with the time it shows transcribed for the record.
4:07
